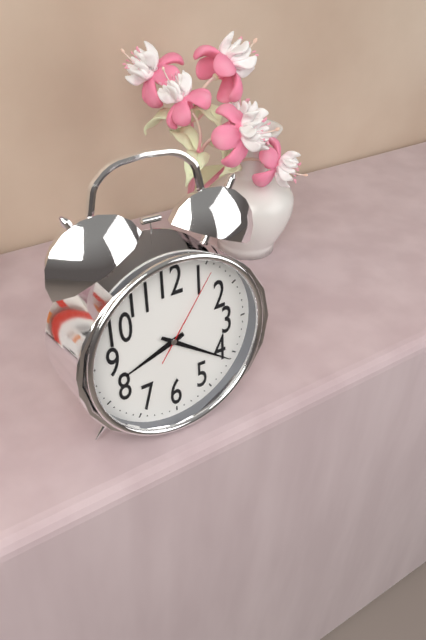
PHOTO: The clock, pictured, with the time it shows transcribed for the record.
8:21:06
